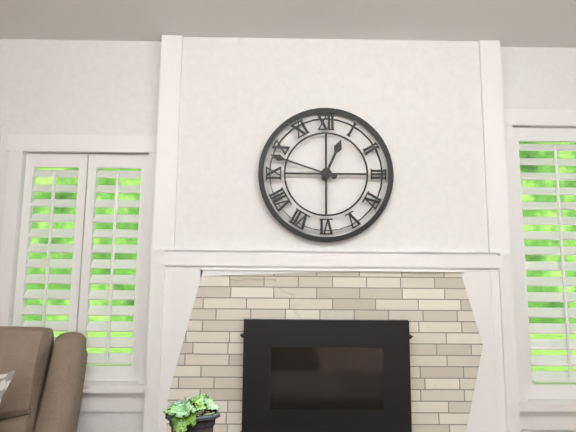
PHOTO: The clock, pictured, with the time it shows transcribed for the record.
12:48
